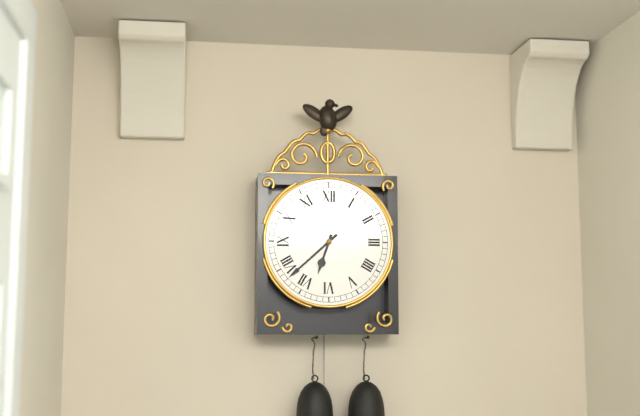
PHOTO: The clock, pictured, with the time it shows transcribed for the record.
6:38
